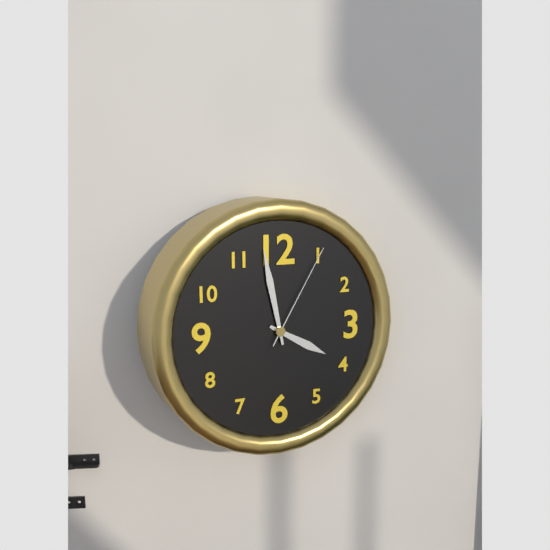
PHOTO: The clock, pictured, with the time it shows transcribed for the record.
3:58:05
